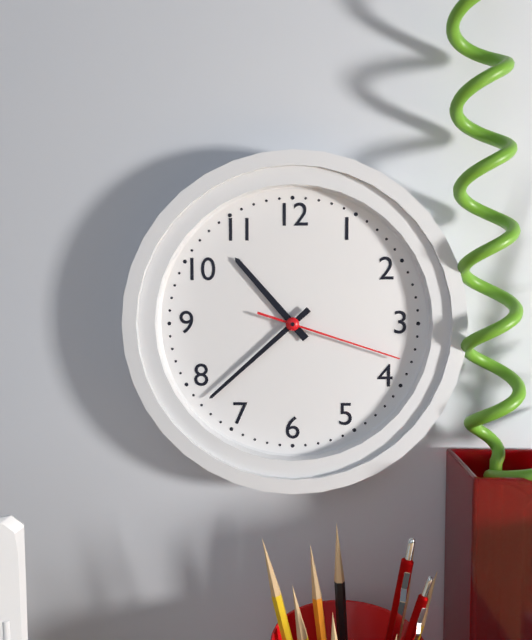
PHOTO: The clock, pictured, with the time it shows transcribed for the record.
10:38:18
